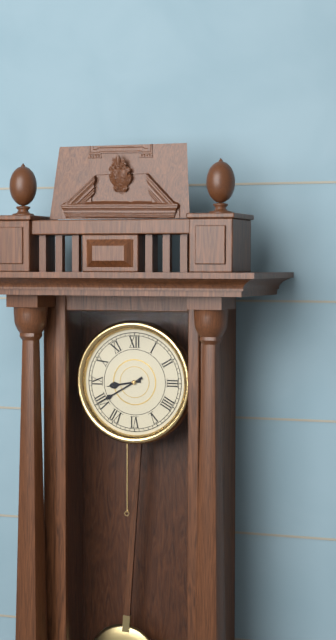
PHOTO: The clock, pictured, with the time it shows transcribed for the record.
8:40
